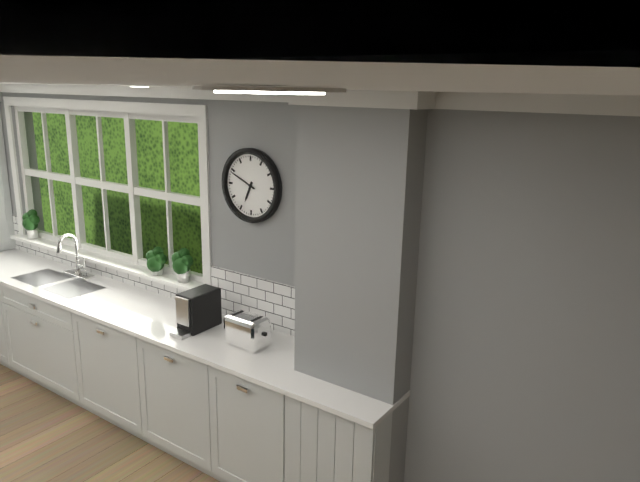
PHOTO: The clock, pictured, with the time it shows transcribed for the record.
6:49
